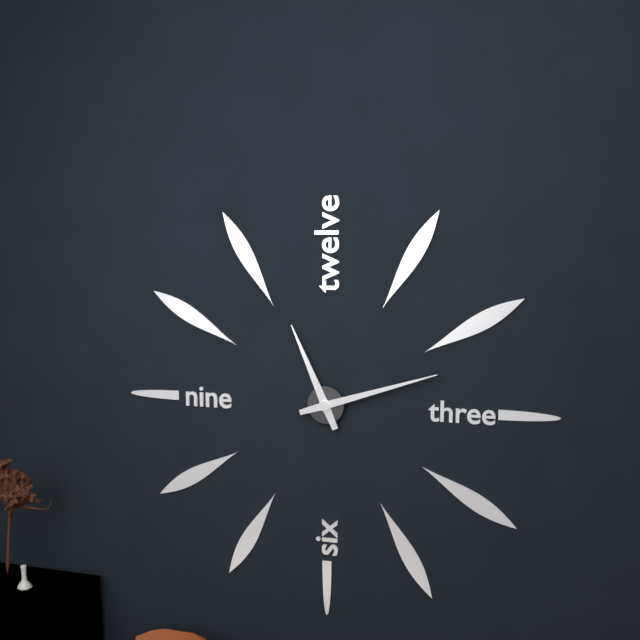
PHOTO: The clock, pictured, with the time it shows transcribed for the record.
11:12
